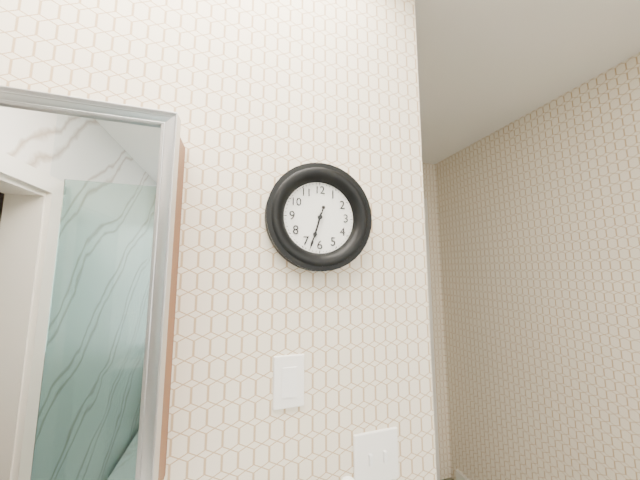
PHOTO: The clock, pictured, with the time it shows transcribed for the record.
6:33
